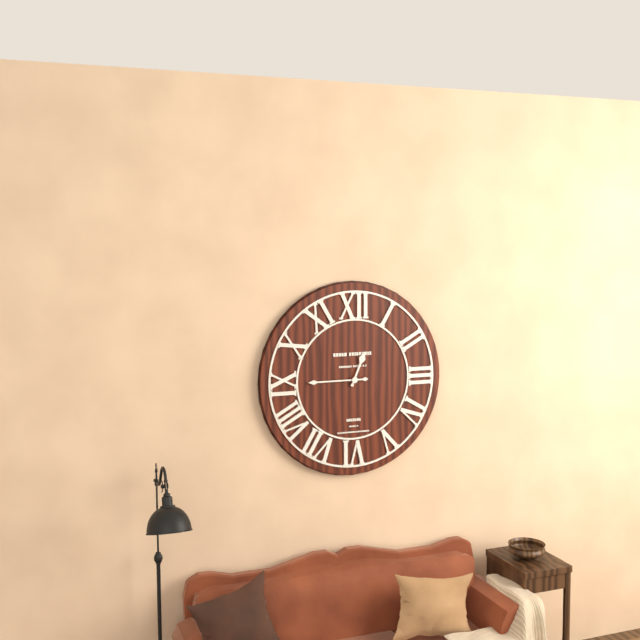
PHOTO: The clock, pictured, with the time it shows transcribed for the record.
12:45
